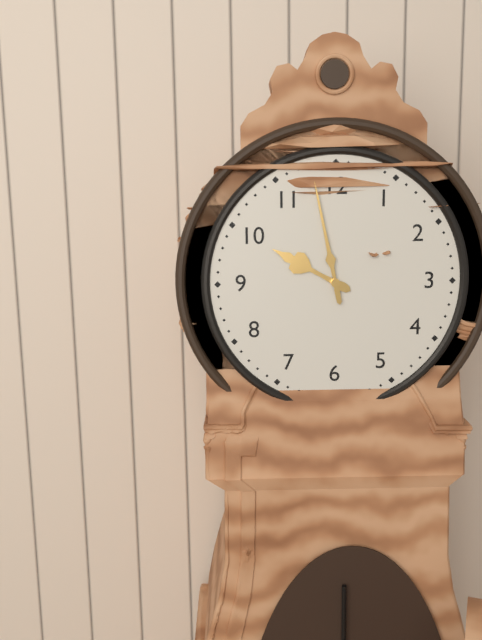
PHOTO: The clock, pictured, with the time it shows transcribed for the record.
9:58
